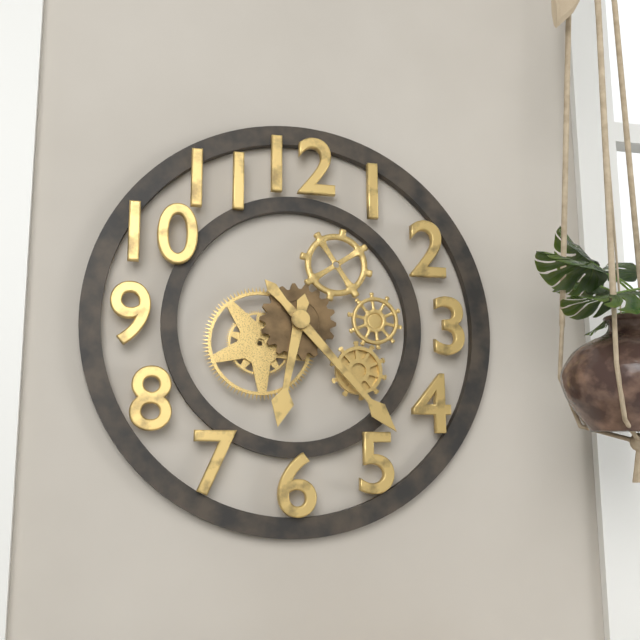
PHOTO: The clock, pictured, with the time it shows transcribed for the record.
6:23
